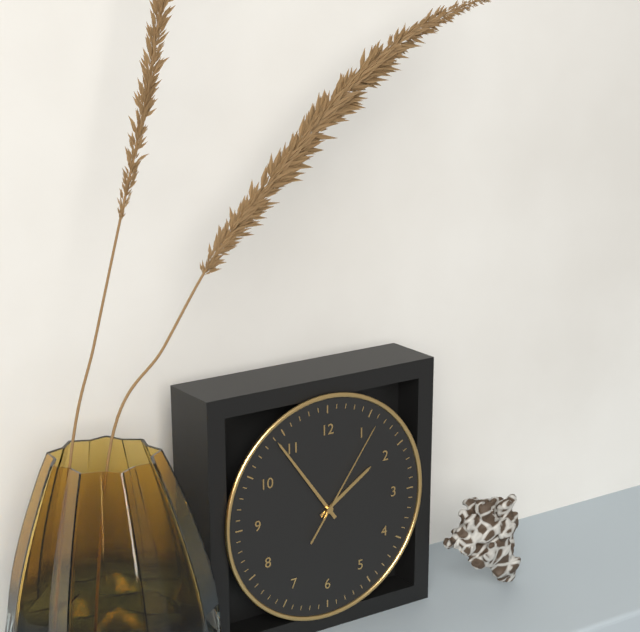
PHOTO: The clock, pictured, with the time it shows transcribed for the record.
1:54:06
